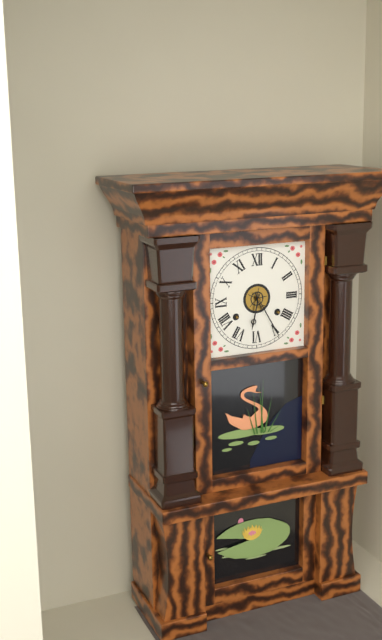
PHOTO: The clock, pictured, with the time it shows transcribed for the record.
6:25
